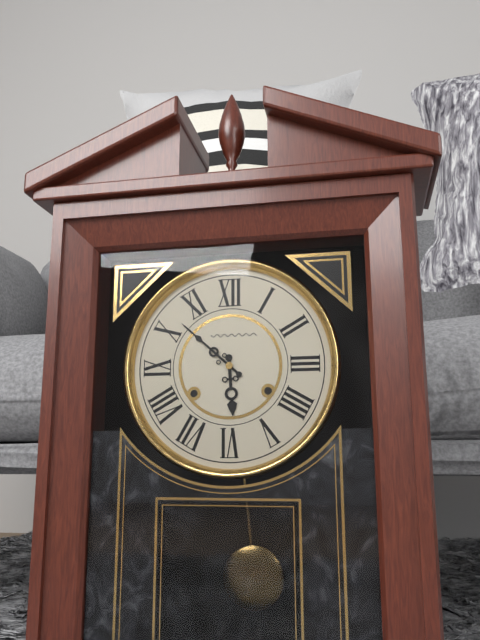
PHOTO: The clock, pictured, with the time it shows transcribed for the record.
5:52
